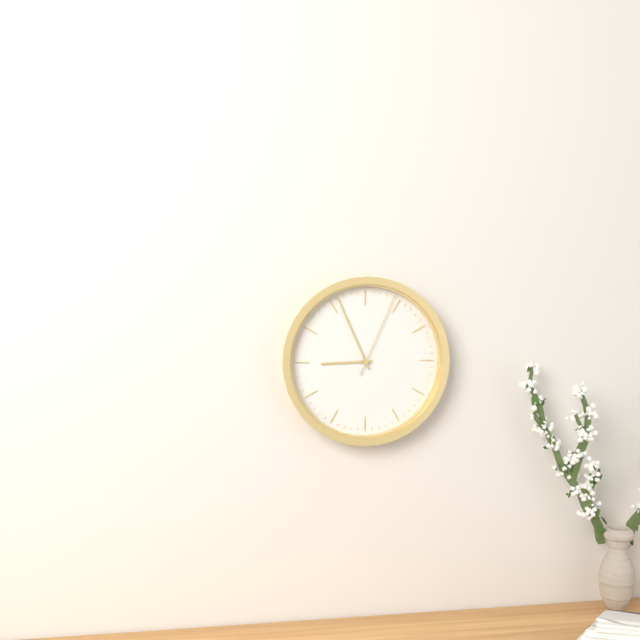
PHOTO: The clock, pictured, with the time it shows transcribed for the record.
8:56:04
